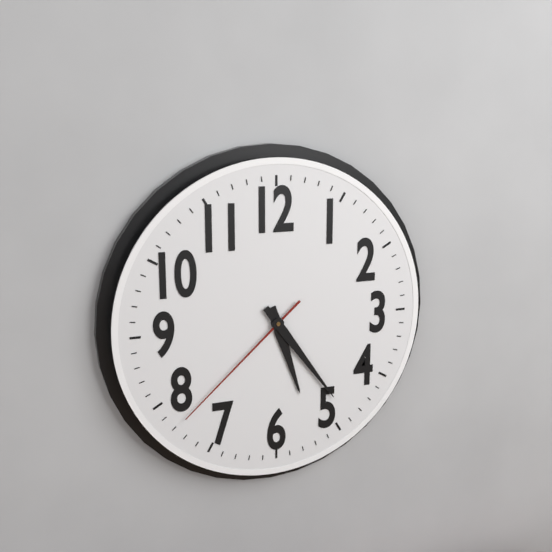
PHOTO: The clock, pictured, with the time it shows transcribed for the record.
5:24:38
